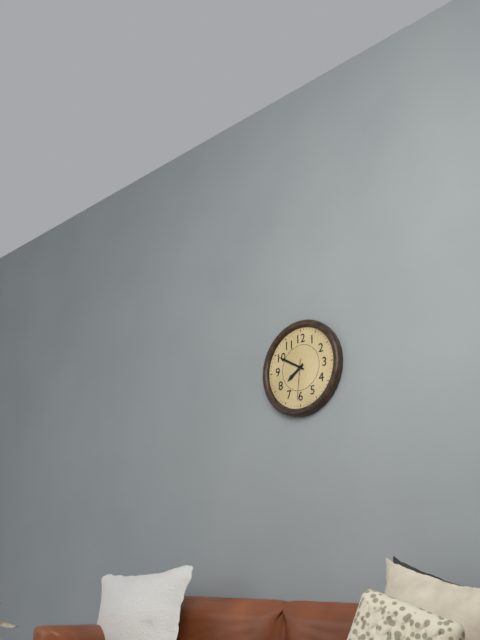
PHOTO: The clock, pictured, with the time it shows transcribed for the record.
7:50
